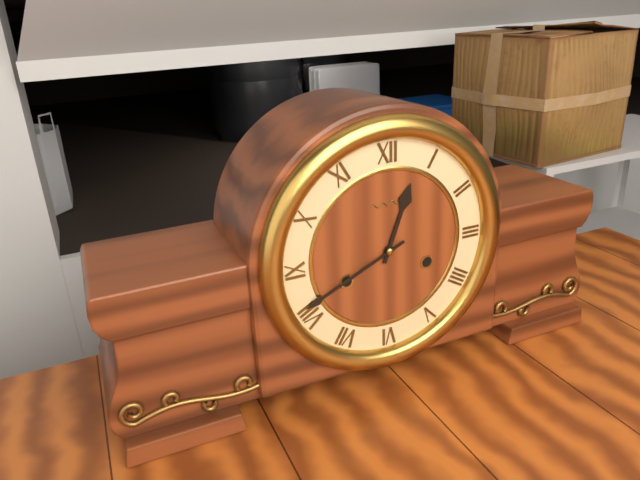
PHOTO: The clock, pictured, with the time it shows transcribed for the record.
12:41
